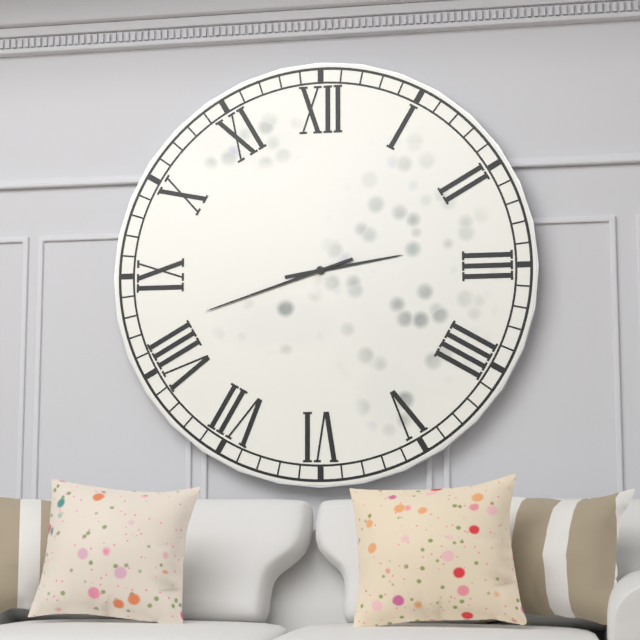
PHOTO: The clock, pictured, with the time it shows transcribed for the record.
2:42
